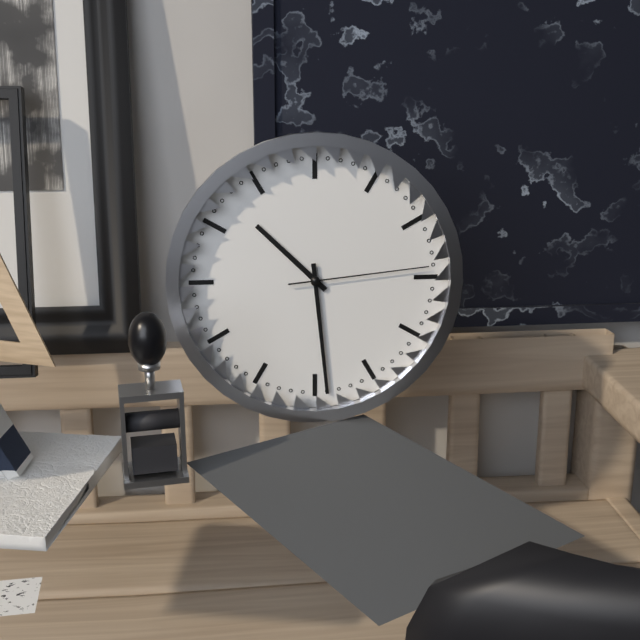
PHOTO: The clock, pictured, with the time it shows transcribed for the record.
10:29:14
